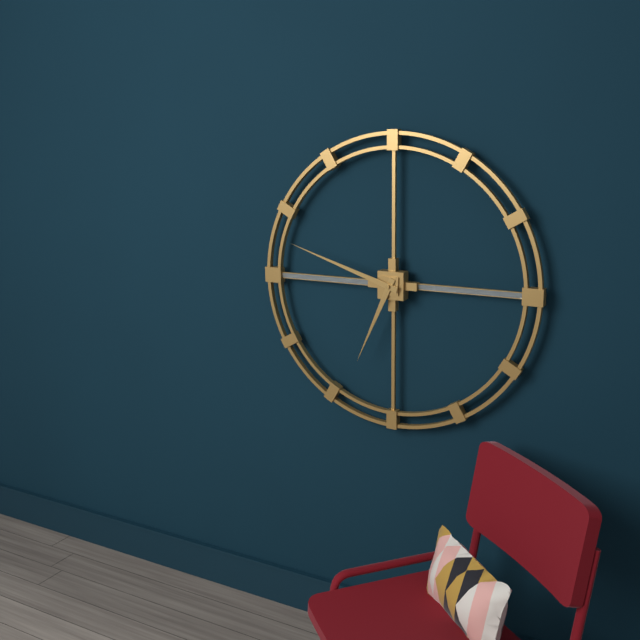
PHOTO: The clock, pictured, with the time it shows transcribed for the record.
6:48
